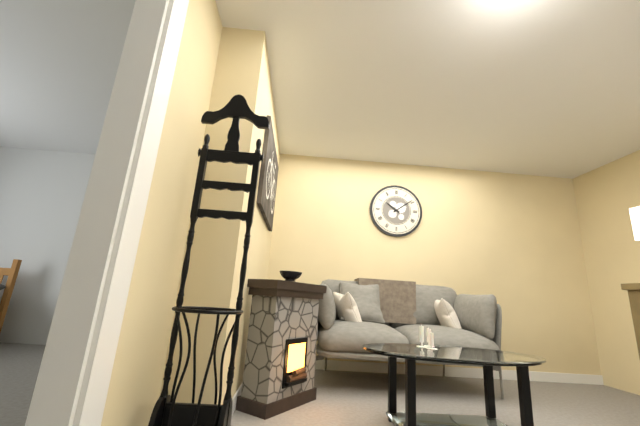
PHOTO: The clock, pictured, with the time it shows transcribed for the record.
10:09
